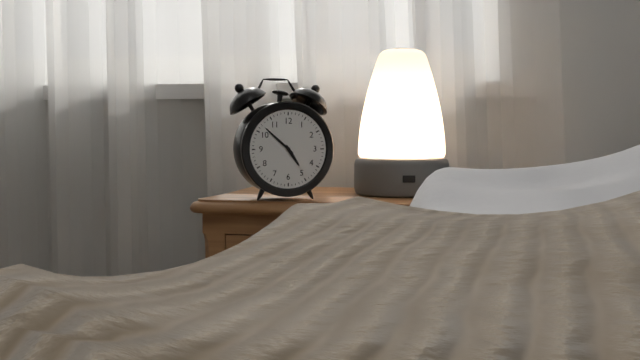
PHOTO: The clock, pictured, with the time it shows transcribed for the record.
4:52
